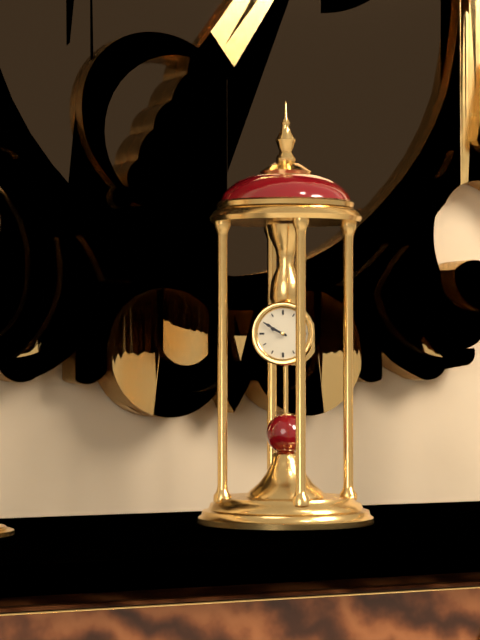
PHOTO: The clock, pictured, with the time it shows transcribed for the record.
9:50
